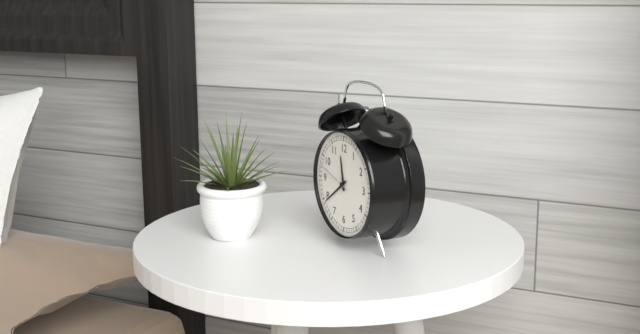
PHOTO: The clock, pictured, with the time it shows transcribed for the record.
11:39
